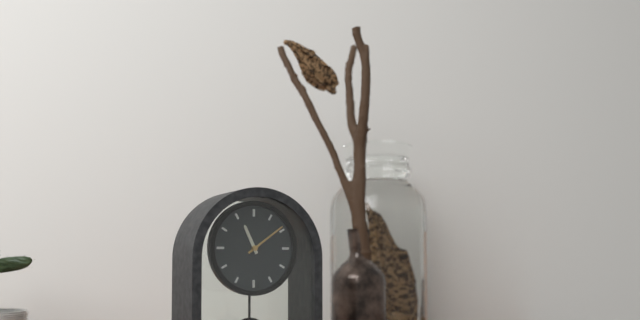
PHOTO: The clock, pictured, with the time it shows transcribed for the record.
11:09
